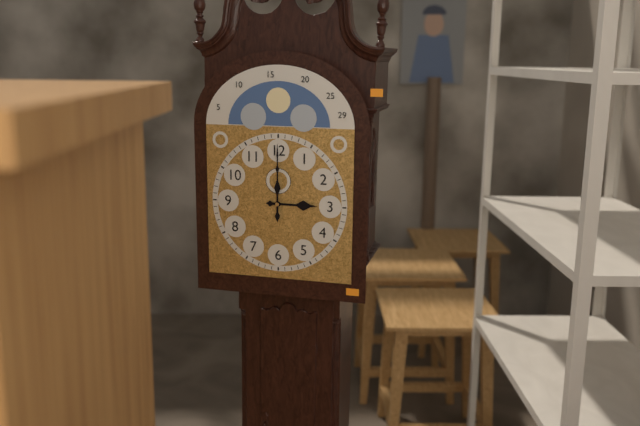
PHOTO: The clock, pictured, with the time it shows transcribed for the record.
3:00
